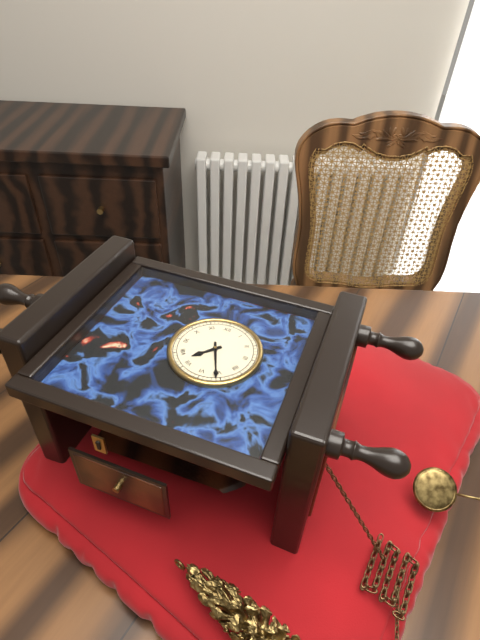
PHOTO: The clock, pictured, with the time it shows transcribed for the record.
7:26
